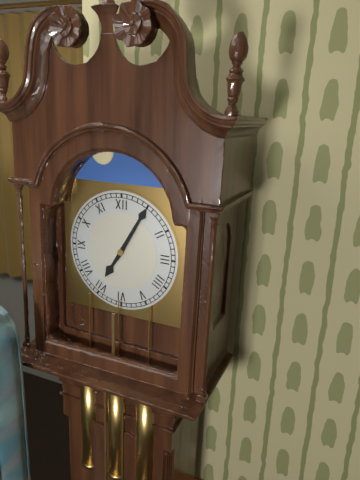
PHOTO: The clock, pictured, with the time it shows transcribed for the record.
7:05
